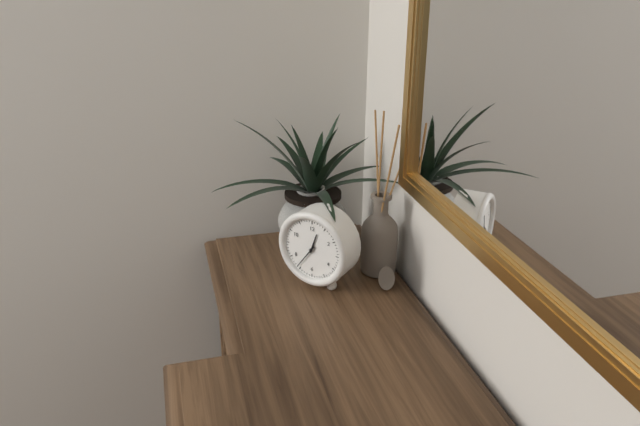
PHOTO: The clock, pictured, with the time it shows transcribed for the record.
12:36
